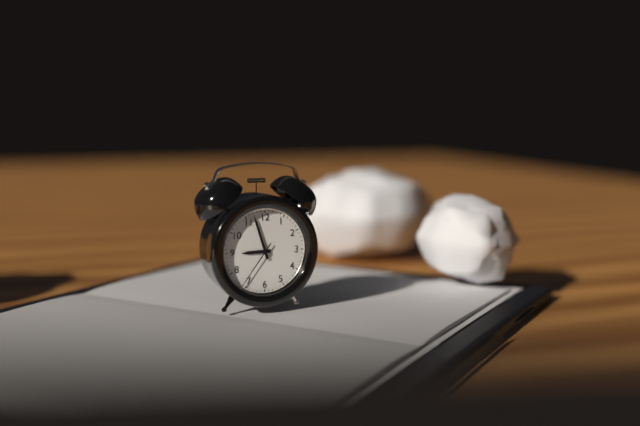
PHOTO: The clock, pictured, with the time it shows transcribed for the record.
8:57:36
